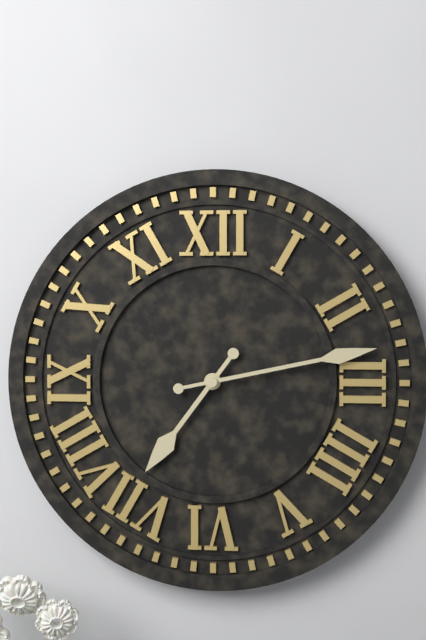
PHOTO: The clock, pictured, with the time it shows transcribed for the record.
7:13
